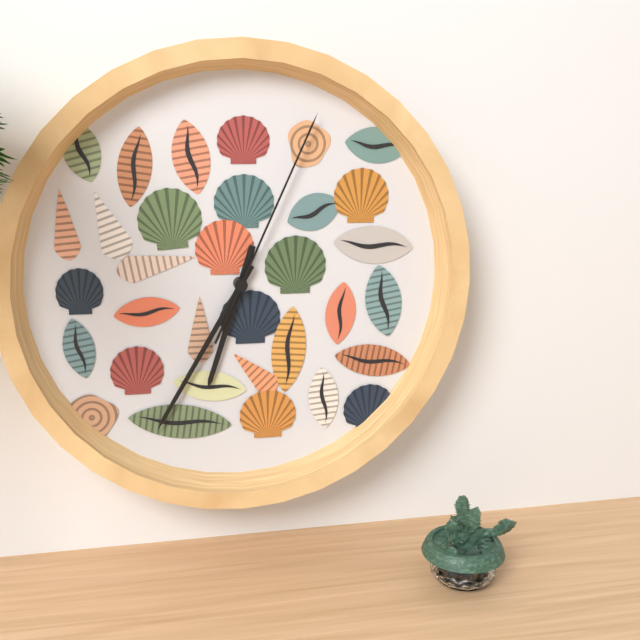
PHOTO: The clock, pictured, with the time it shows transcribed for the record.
6:35:04
